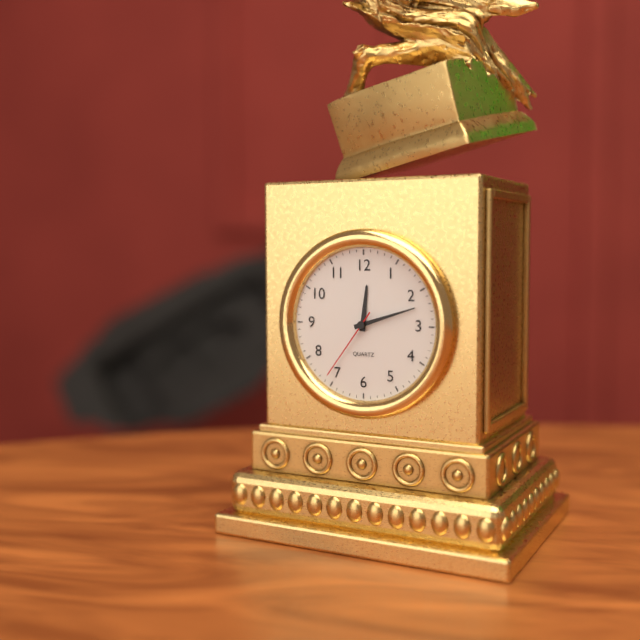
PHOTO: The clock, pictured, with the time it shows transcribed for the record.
12:12:36
